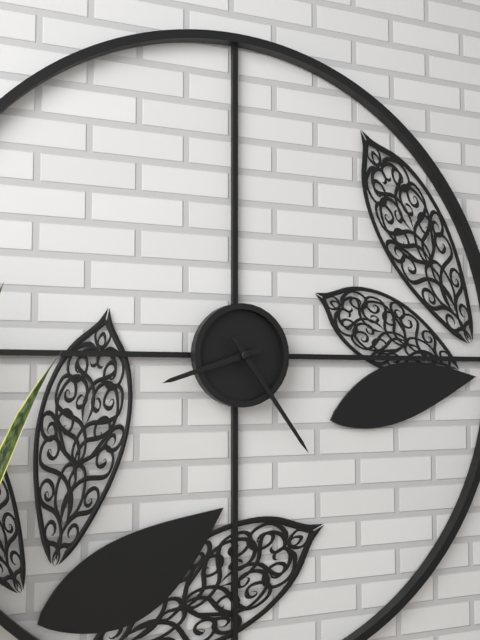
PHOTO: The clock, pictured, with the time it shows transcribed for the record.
8:24
